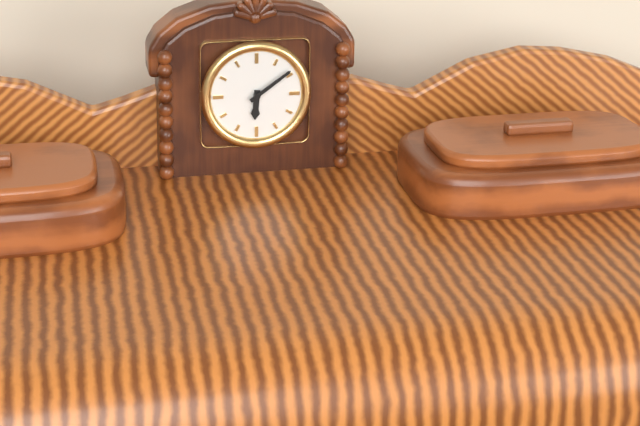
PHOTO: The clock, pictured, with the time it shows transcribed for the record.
6:09
